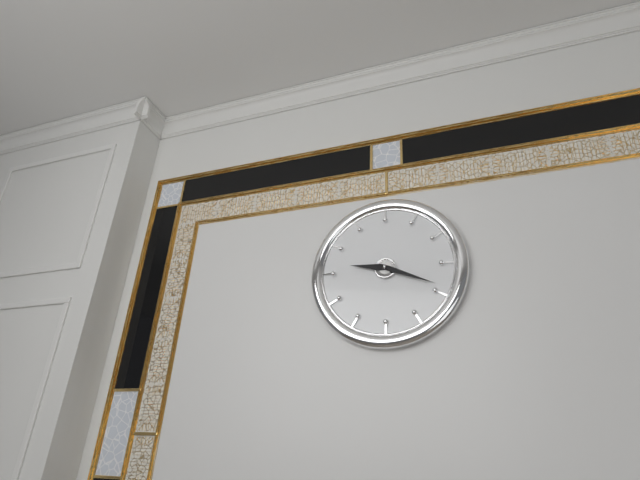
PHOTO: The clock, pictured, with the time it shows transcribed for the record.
9:19
